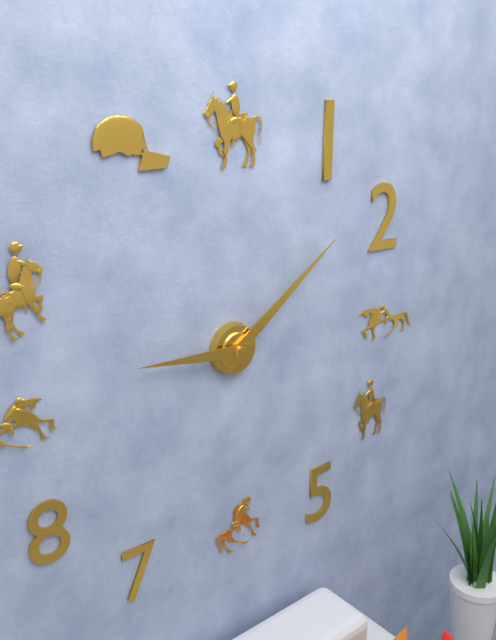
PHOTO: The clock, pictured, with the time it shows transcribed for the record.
9:09
